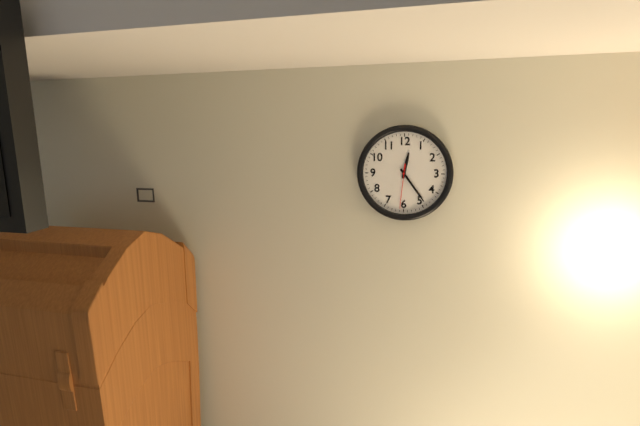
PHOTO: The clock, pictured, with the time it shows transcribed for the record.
12:24
